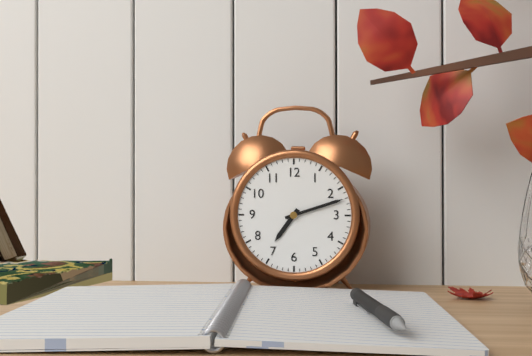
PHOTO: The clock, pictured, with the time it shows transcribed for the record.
7:12
